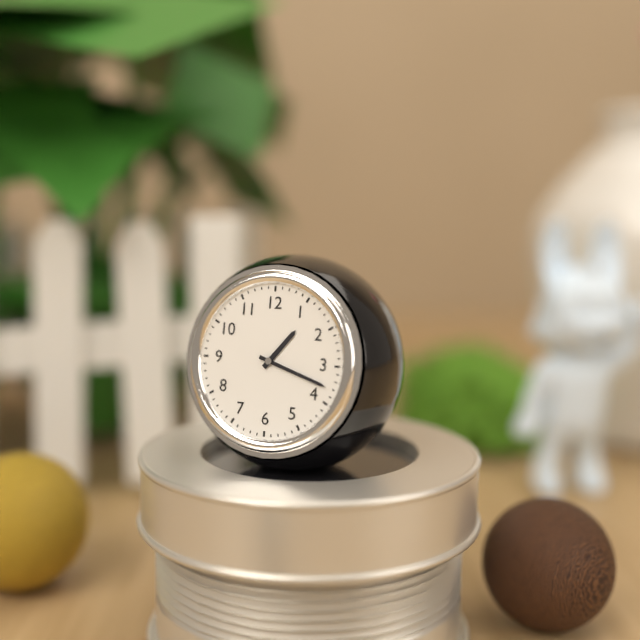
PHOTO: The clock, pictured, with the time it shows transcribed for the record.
1:18
